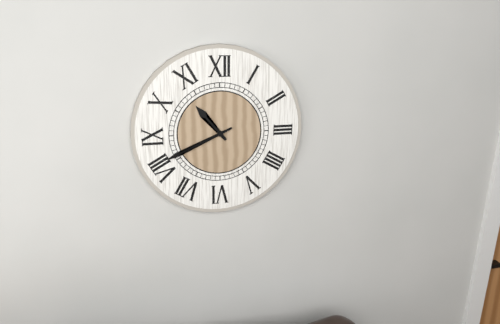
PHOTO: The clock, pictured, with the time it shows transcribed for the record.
10:41
